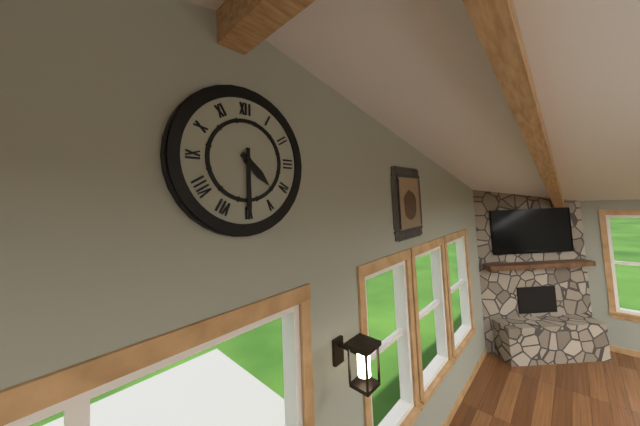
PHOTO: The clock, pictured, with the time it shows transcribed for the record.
4:30
